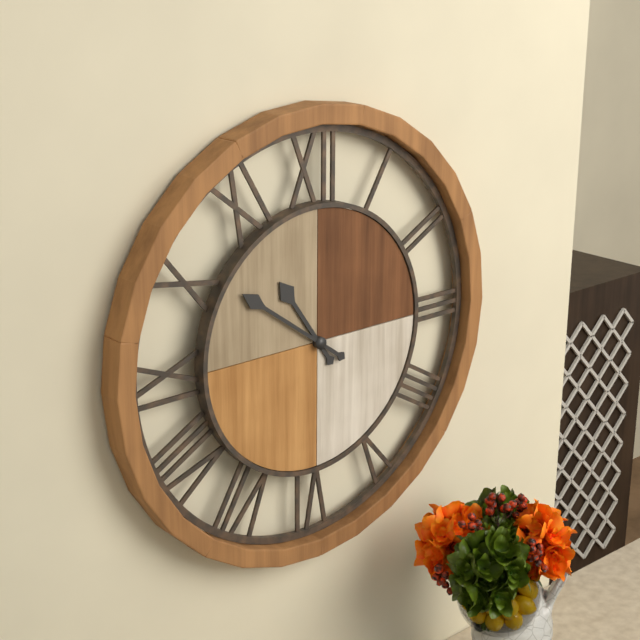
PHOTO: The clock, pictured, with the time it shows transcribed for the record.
10:51
